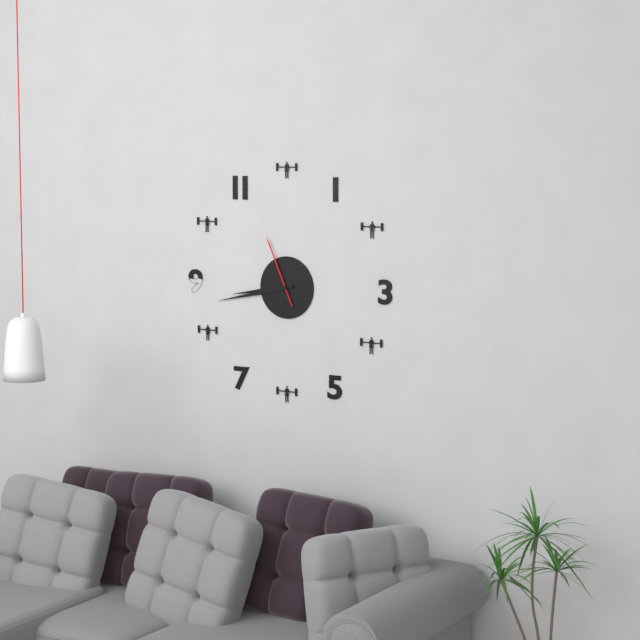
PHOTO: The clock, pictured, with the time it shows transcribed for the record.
8:43:56
